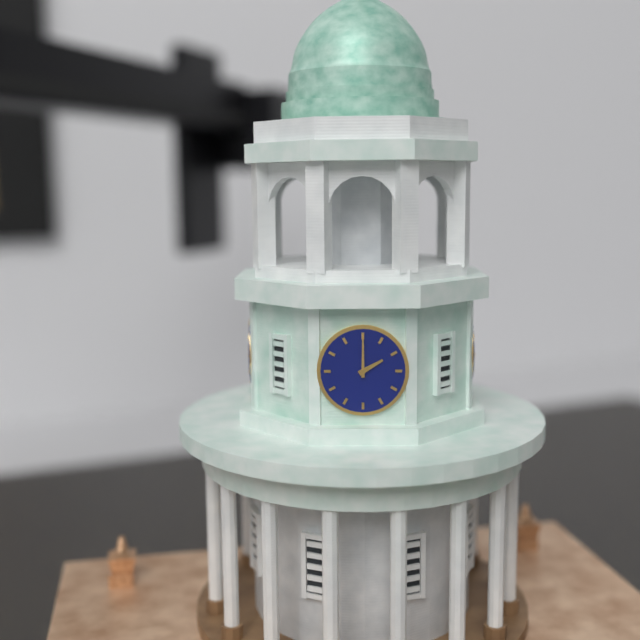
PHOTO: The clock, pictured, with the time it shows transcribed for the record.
2:00
